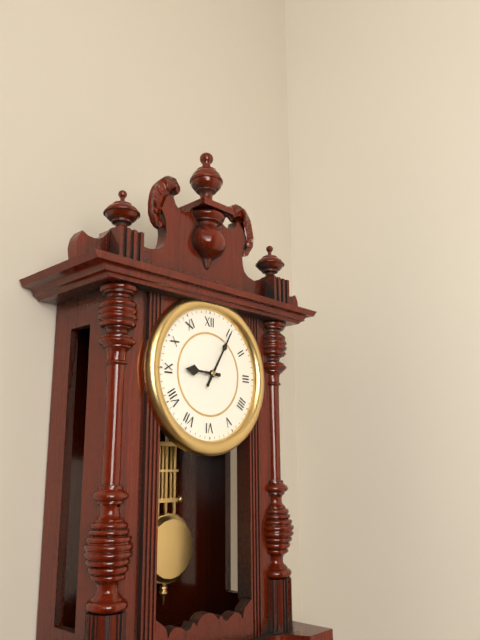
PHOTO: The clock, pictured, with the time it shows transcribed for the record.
9:05
